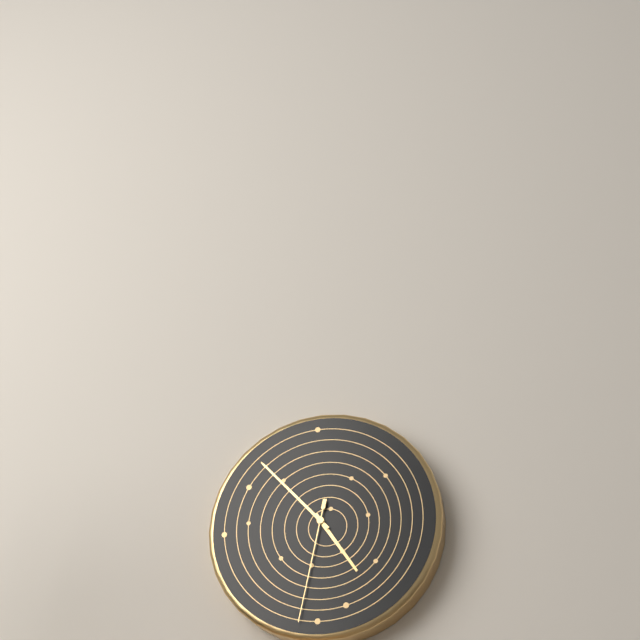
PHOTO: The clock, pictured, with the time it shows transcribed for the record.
4:53:32
